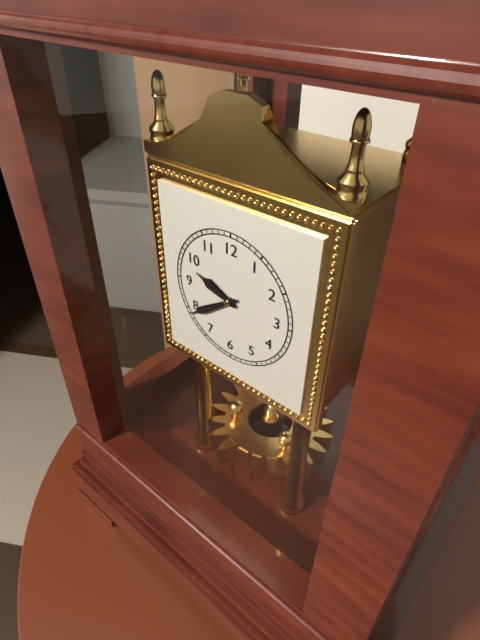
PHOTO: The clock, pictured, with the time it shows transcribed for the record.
9:39
